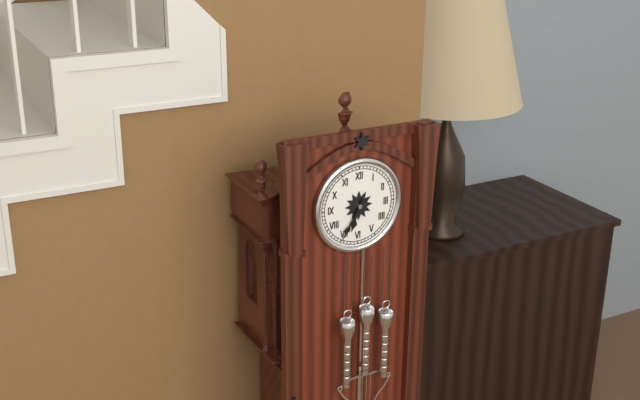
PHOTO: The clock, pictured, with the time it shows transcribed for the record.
6:35
